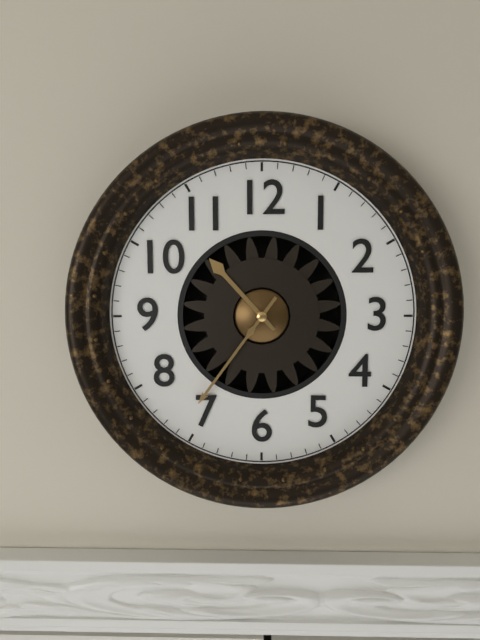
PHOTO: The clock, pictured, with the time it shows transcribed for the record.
10:36
